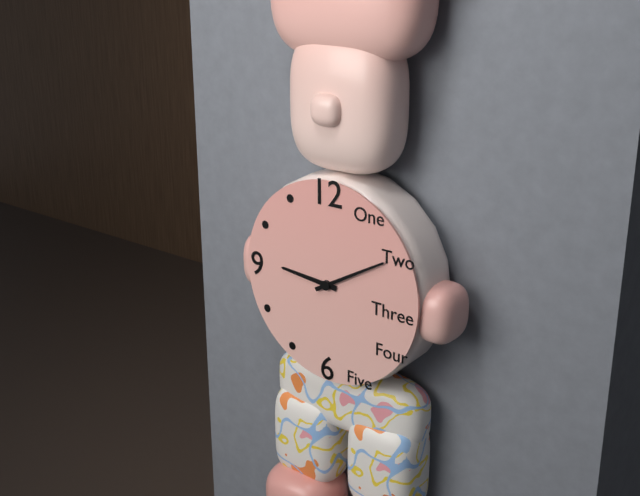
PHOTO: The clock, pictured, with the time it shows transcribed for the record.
9:10
